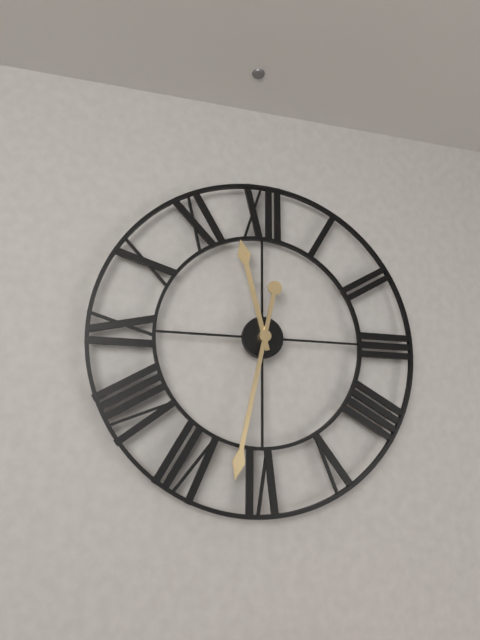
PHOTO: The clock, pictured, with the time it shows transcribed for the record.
11:32
